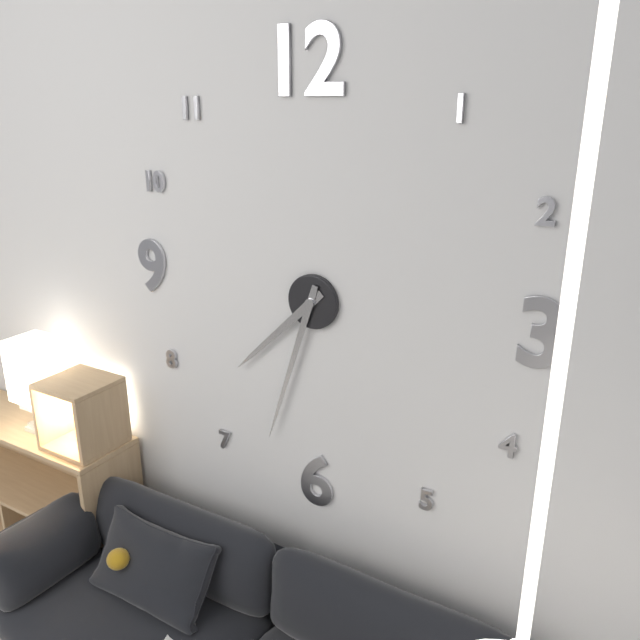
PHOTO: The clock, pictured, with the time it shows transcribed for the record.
7:33
